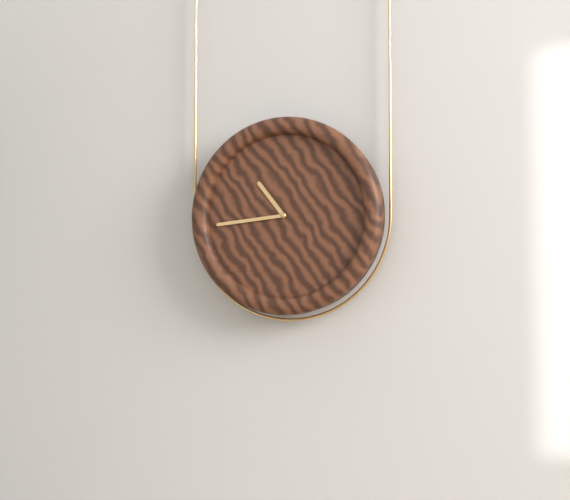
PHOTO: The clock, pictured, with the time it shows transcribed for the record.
10:44
